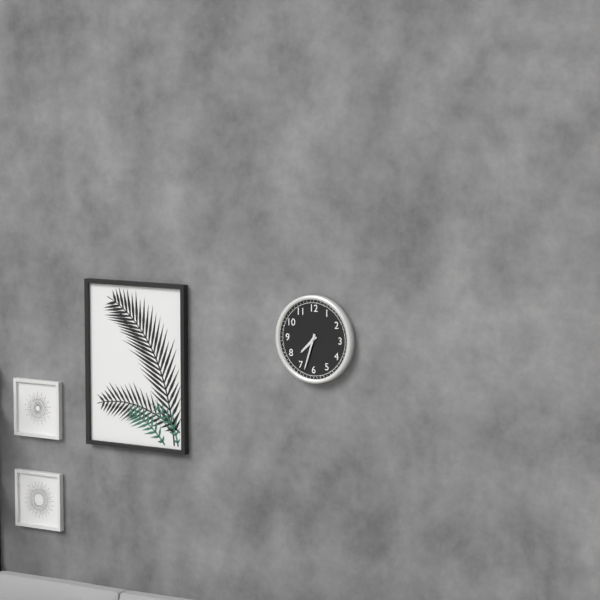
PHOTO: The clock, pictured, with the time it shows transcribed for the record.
7:33
